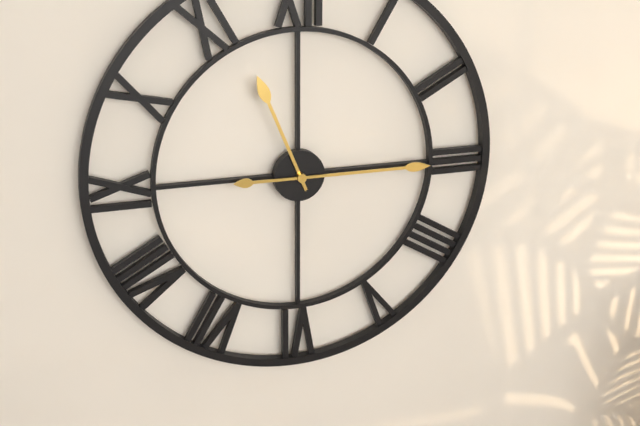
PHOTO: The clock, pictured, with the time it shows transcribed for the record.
11:15
